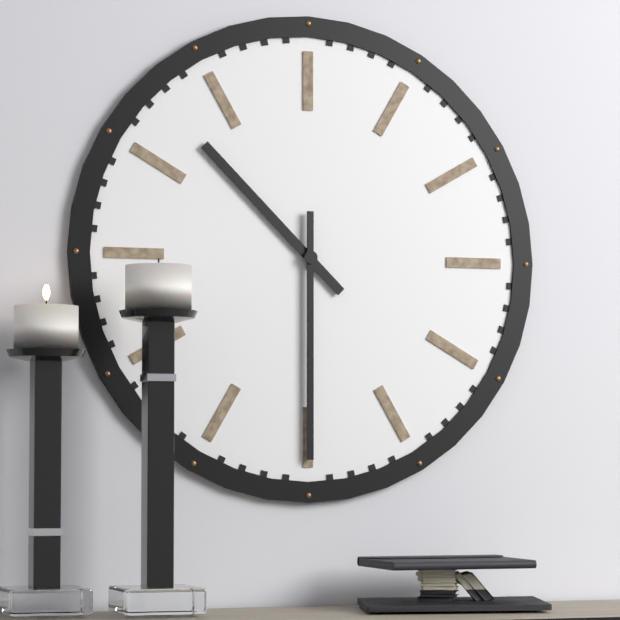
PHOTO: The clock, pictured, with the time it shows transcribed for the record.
10:30
